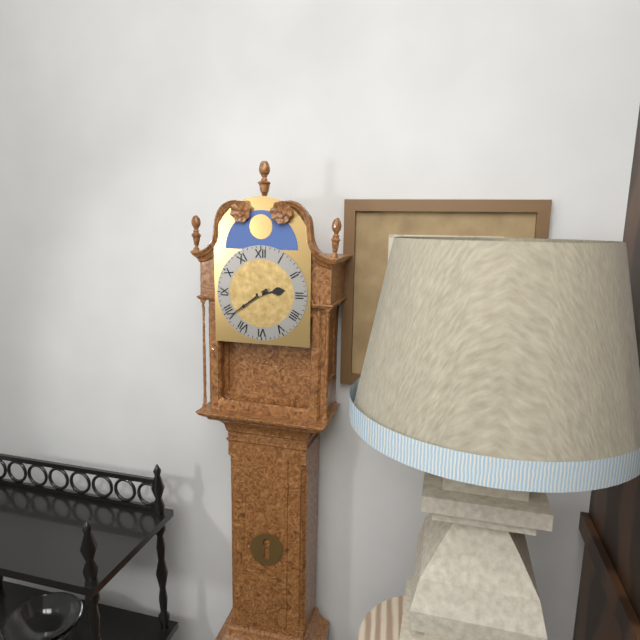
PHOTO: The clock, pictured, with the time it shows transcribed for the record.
2:39
